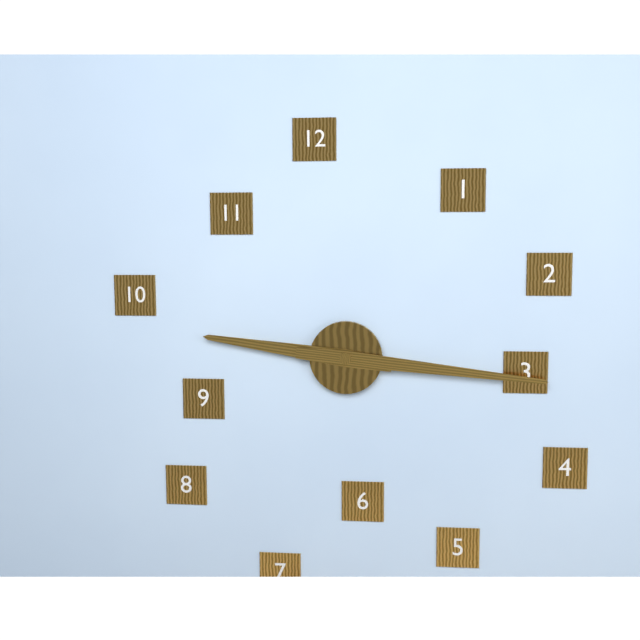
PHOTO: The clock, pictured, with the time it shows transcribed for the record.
9:16
